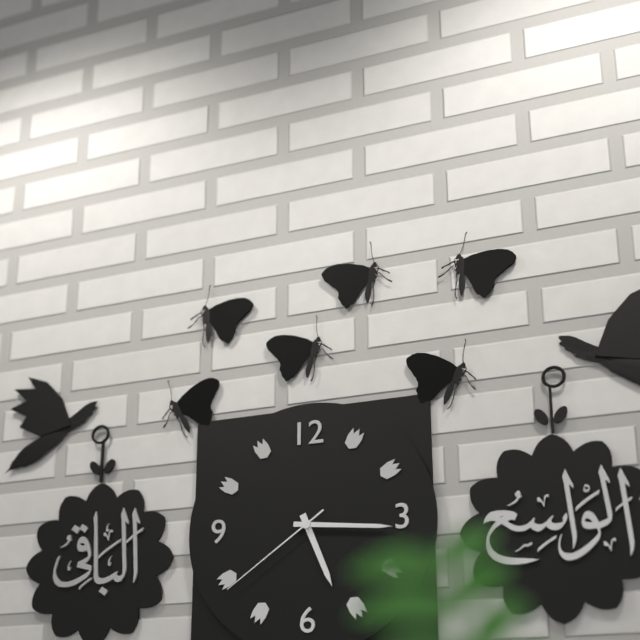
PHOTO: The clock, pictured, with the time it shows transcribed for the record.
5:16:39
